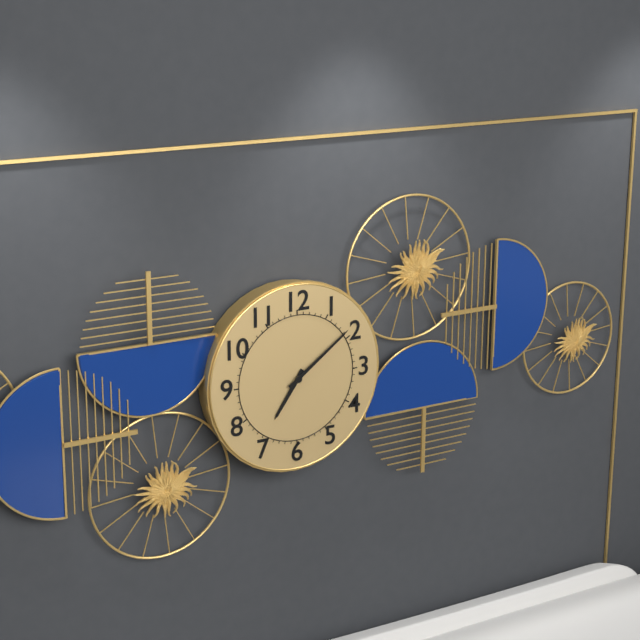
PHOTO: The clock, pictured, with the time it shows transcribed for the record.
7:09
